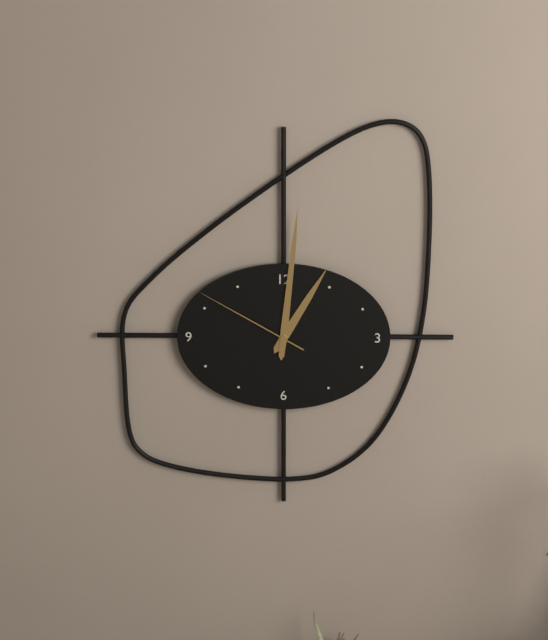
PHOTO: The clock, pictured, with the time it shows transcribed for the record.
1:01:50
